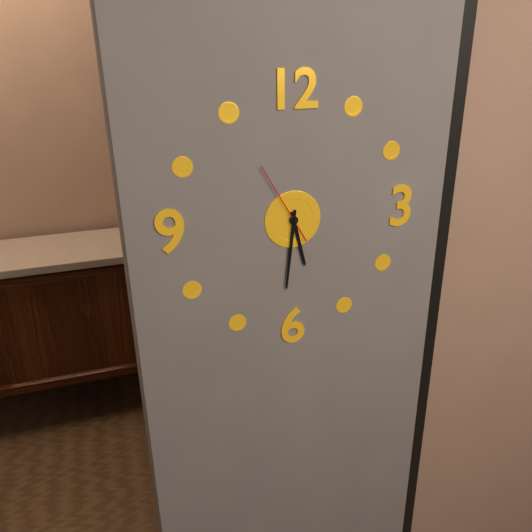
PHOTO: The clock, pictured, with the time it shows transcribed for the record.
5:31:55
